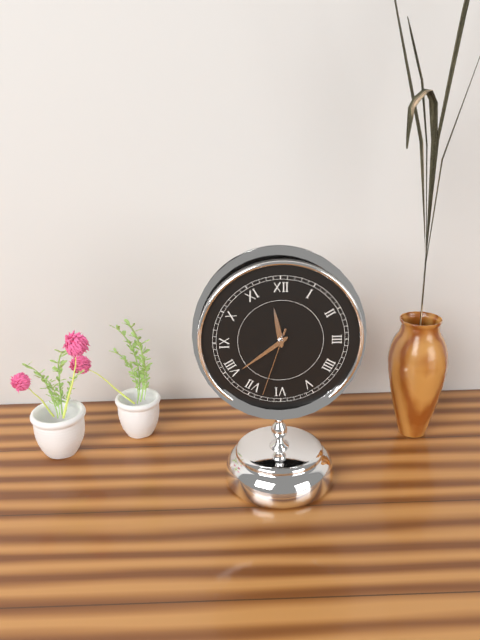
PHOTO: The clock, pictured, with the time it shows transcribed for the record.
11:39:33
